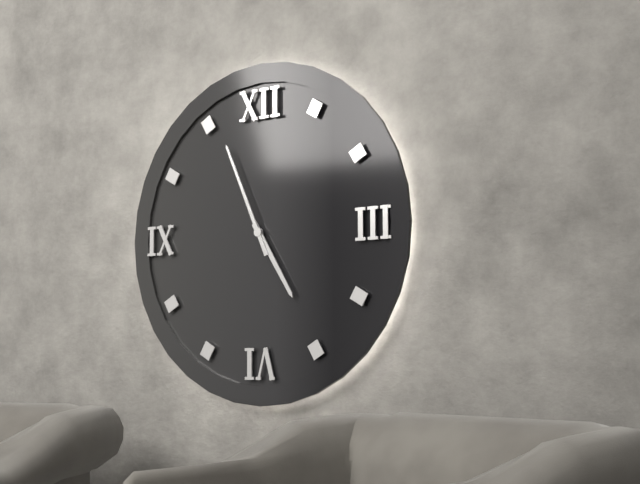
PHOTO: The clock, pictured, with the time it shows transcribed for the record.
4:56
